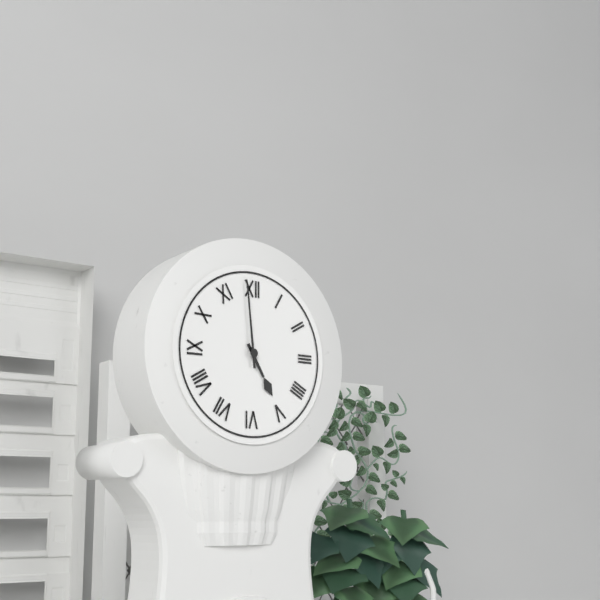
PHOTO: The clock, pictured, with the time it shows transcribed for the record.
4:59
